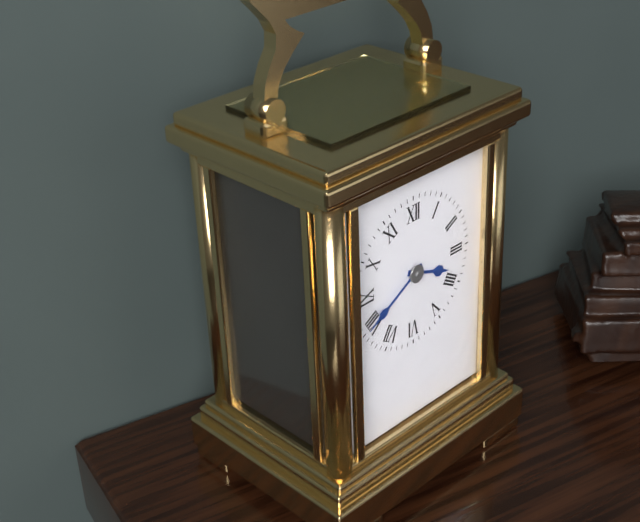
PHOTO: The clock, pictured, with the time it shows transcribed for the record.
3:40
